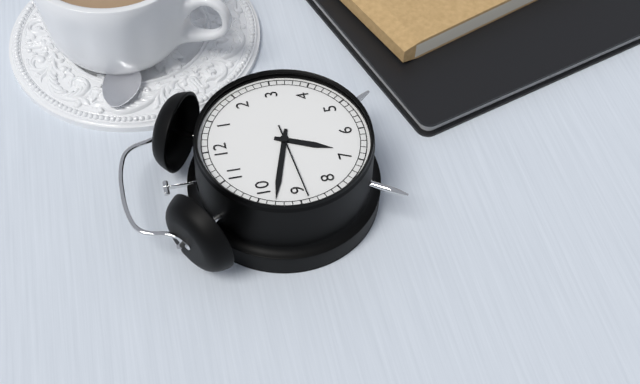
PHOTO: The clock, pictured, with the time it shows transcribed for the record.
6:48:44
